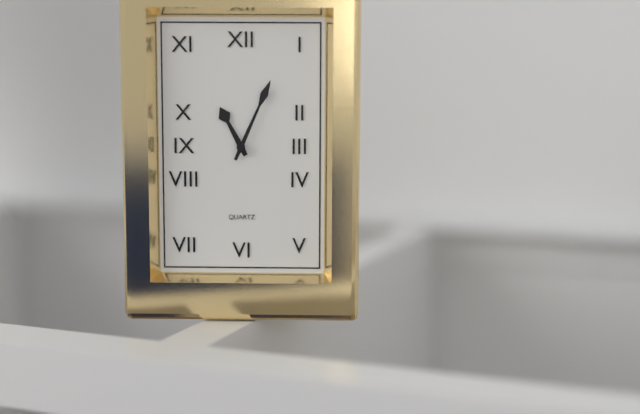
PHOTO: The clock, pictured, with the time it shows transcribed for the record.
11:04
